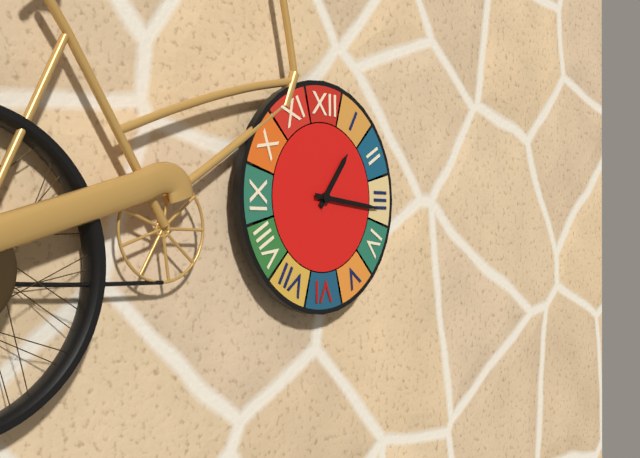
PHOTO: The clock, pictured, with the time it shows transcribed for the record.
1:16
